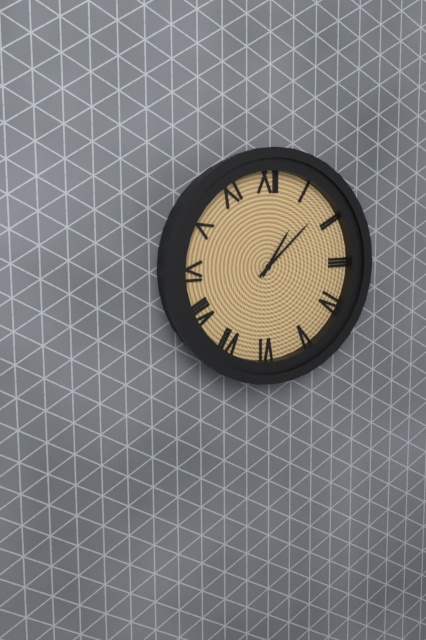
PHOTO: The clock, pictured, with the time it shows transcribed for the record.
1:08
